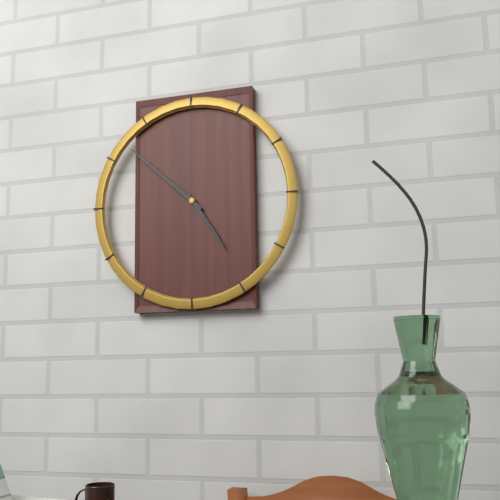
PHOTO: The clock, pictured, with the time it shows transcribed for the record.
4:52
